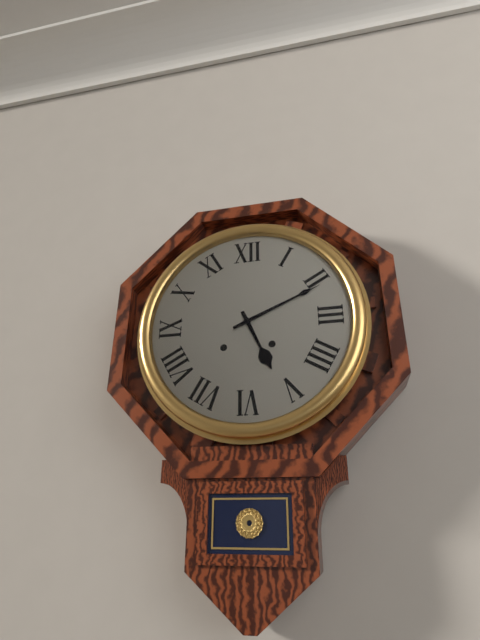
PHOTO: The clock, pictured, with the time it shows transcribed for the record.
5:11
